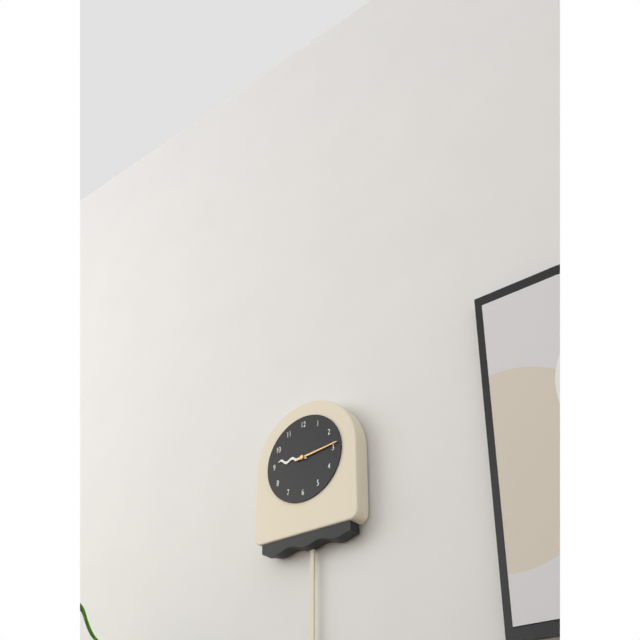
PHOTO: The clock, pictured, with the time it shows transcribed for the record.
9:14
